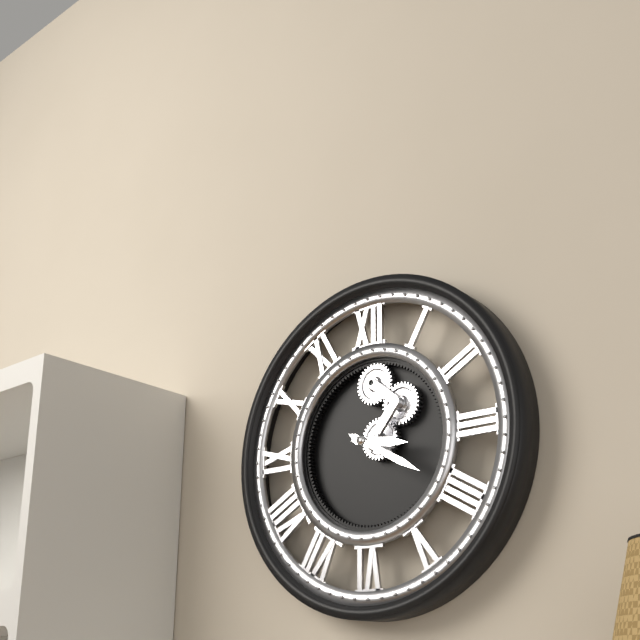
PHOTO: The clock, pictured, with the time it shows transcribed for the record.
3:20
